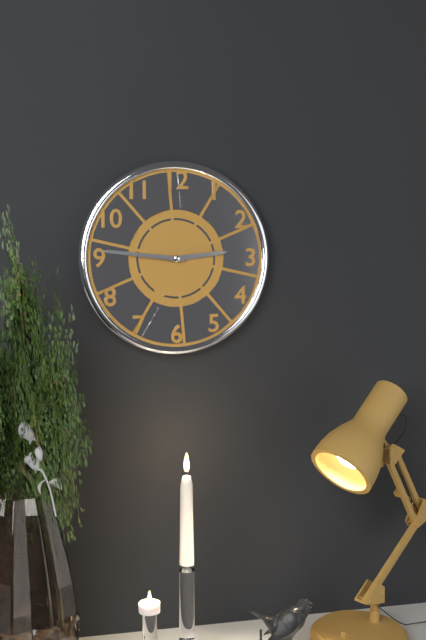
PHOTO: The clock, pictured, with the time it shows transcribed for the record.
2:46
